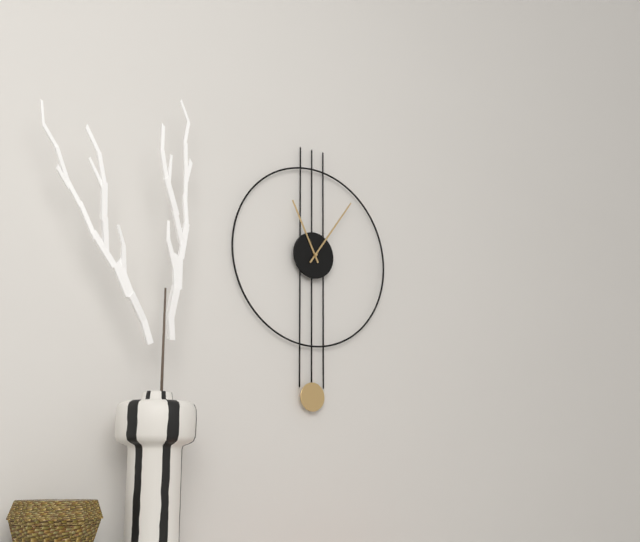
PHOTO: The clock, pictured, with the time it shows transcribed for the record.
11:06
